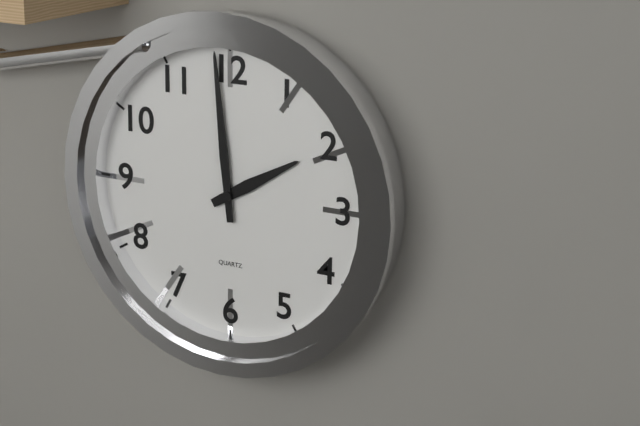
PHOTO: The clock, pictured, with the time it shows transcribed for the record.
1:59
